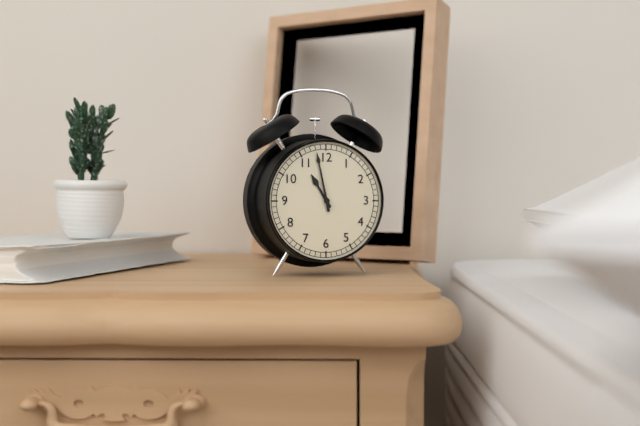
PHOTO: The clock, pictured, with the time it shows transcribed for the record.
10:58
